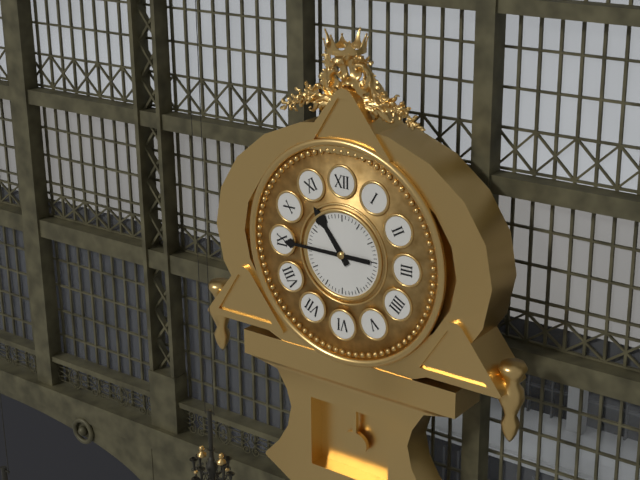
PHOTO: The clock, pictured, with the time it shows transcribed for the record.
10:45
